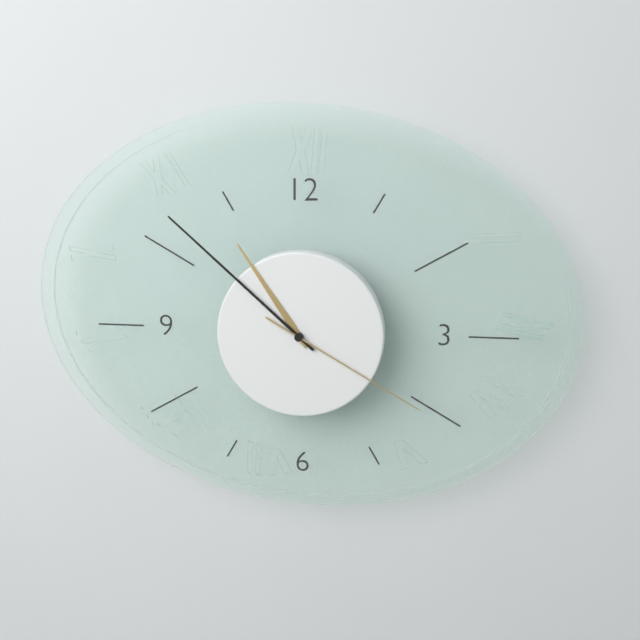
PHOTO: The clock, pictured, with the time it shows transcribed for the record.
10:52:20
